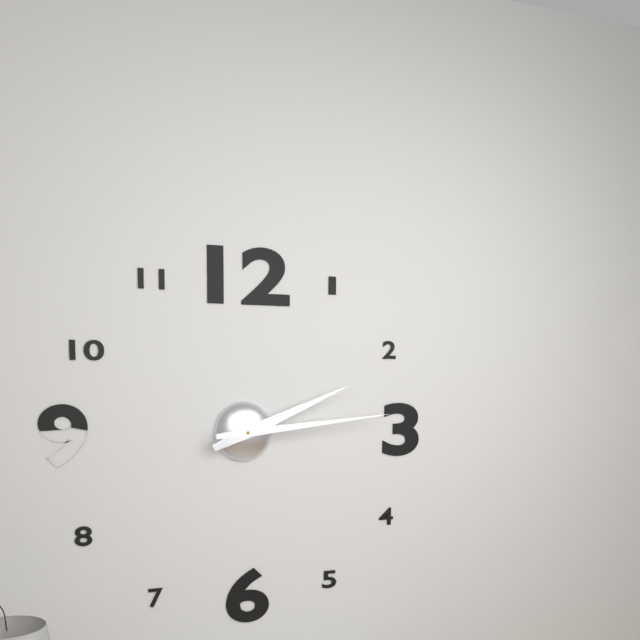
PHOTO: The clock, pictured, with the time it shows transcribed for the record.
2:14
